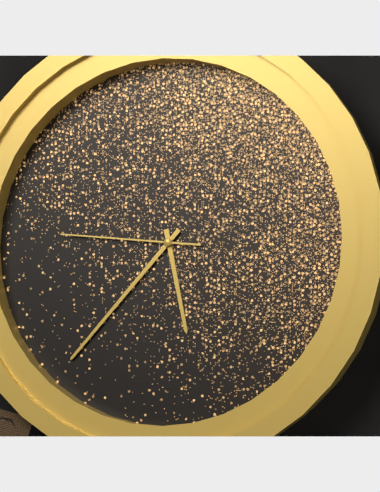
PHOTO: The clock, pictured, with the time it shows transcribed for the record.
5:37:46
